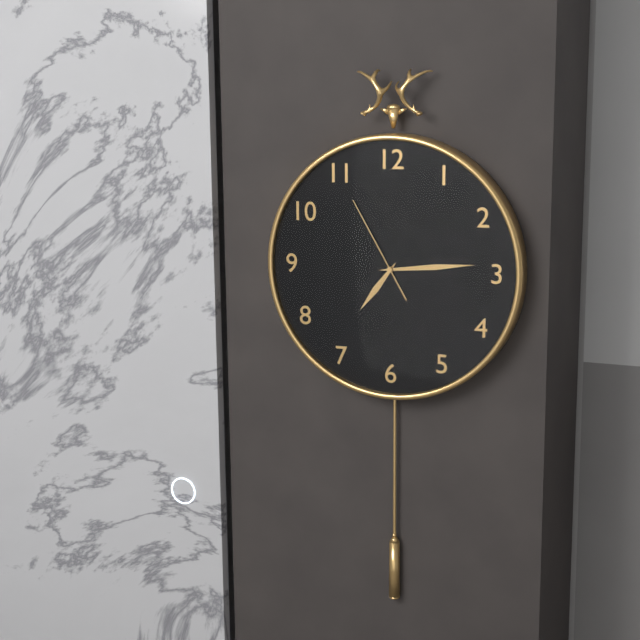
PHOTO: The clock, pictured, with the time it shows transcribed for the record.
7:14:55
